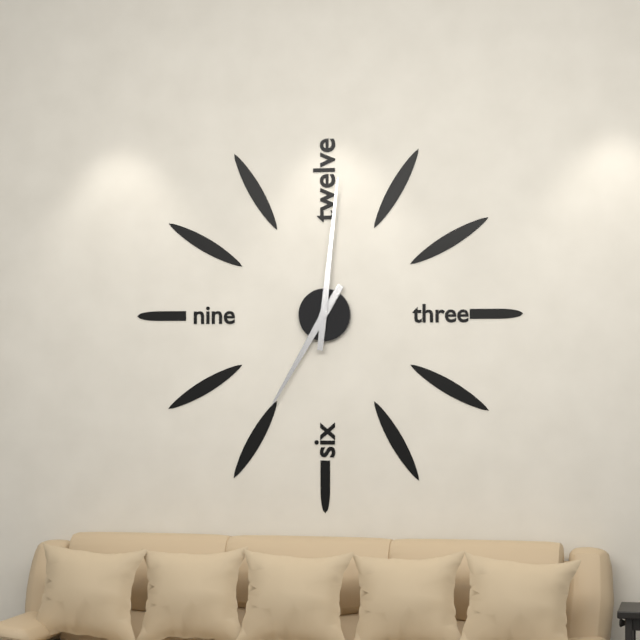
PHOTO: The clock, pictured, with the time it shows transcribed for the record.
7:01
